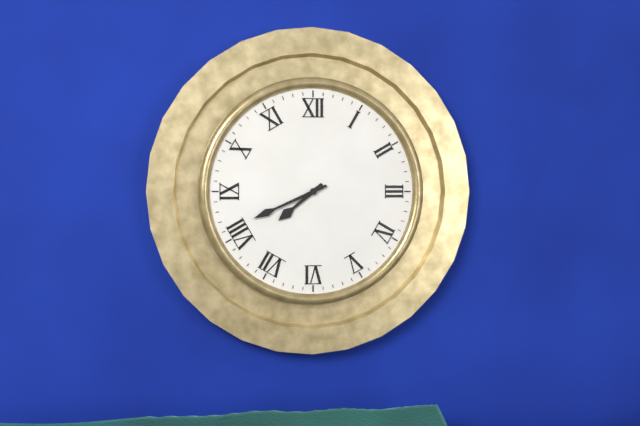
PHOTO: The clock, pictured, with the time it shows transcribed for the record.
7:41
